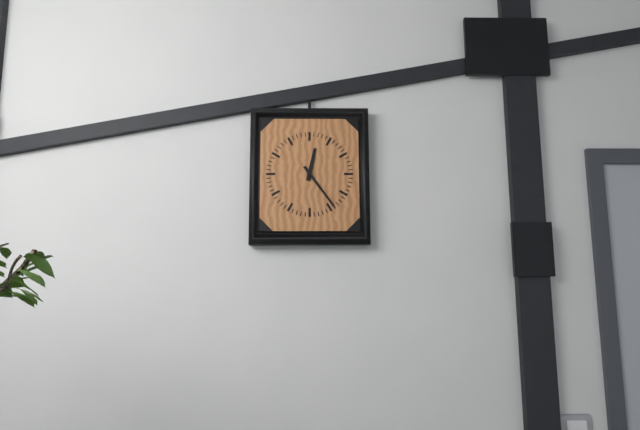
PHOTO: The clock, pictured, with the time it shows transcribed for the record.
12:24
